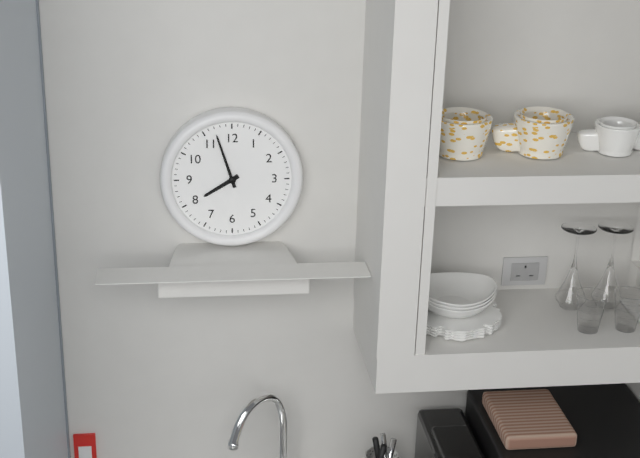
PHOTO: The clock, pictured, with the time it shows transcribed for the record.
7:57
